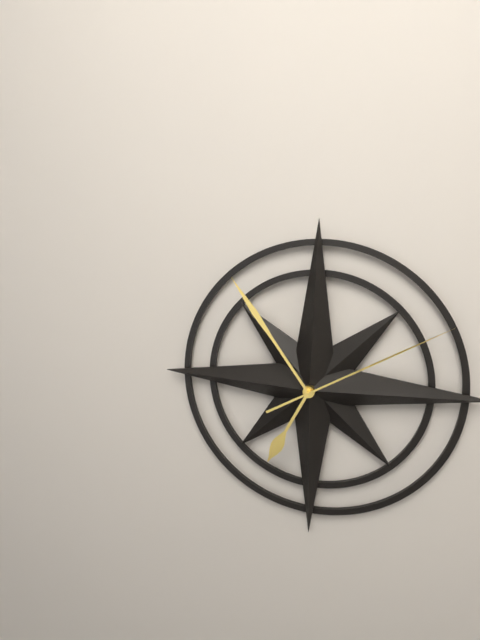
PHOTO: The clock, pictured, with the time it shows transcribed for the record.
6:54:10
